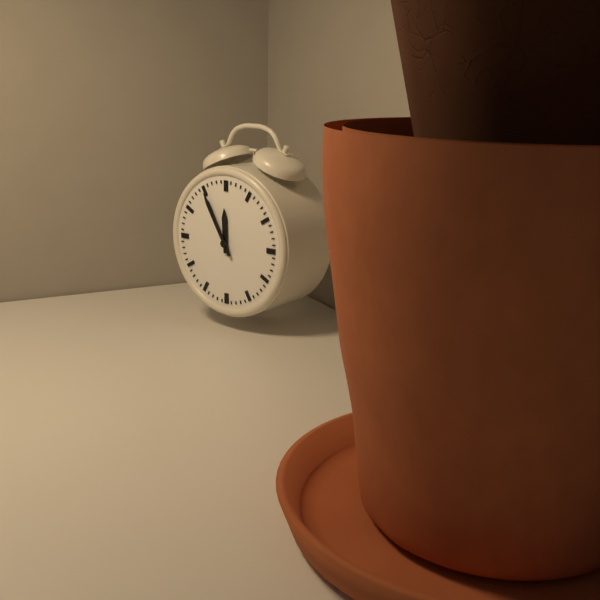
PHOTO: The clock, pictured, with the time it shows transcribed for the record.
11:55
